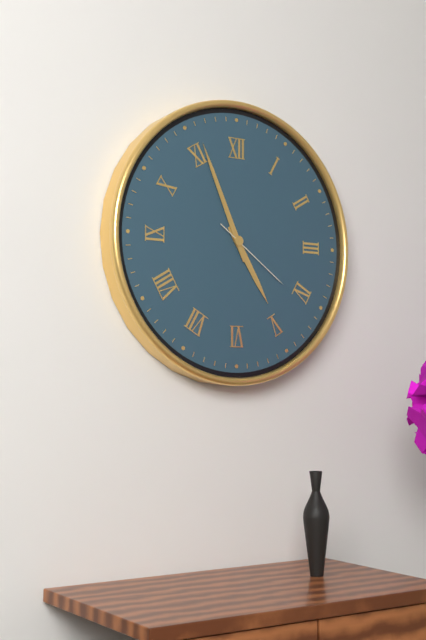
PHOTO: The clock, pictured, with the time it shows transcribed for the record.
4:56:21
